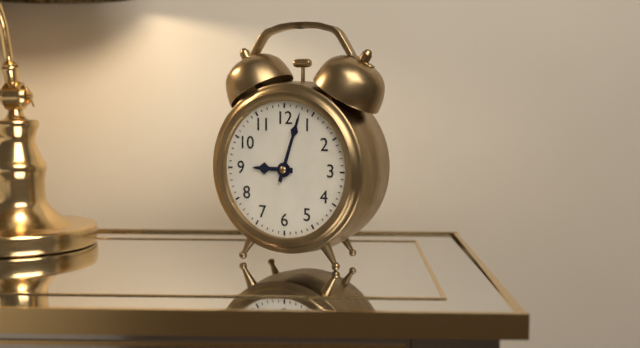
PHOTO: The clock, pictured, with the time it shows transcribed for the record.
9:03
